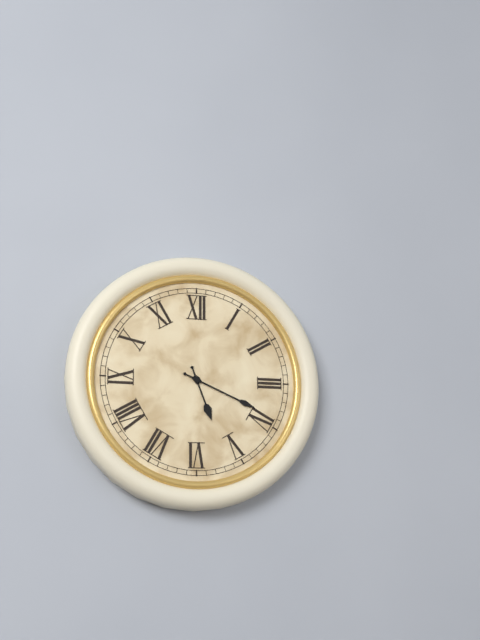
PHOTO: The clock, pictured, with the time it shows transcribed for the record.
5:19
